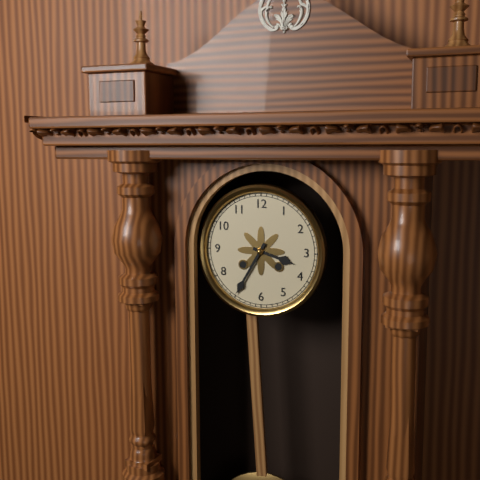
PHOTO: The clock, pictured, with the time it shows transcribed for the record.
3:35
